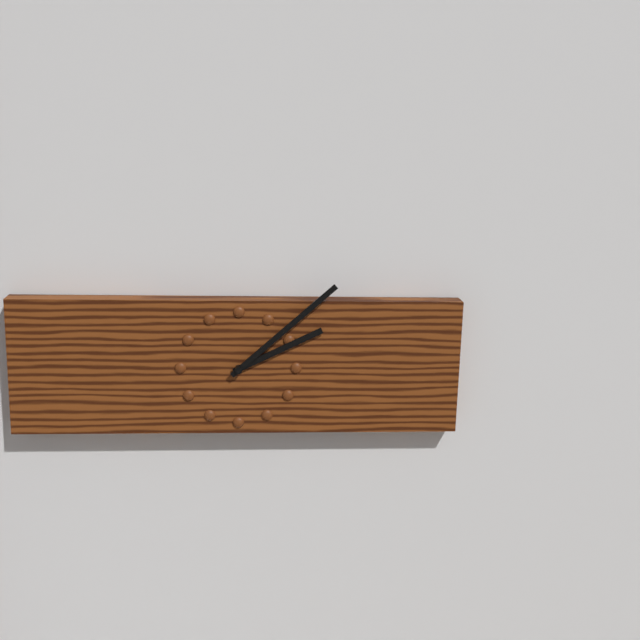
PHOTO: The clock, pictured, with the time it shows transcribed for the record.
2:08
